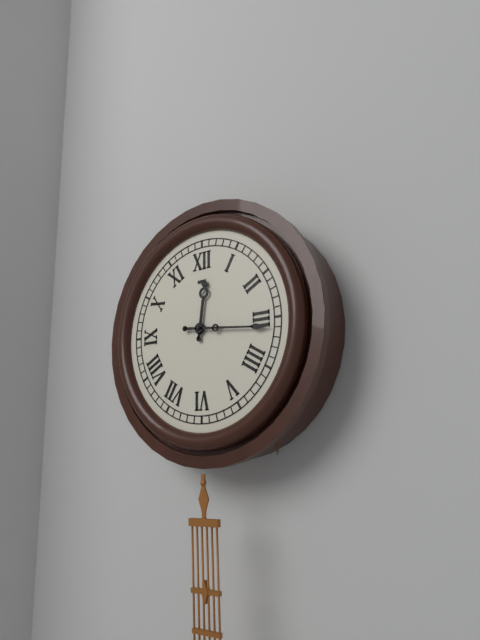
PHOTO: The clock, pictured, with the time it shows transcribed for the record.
12:16
